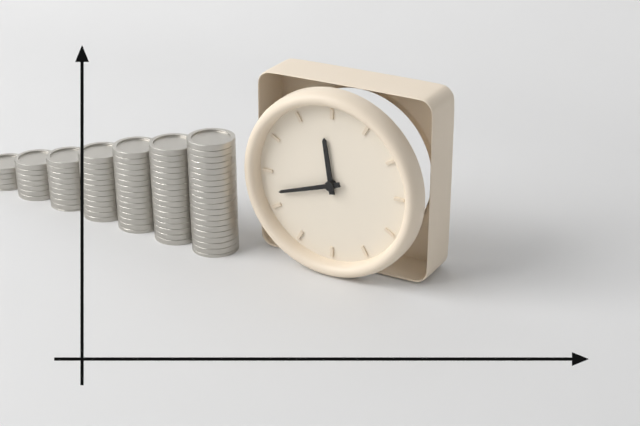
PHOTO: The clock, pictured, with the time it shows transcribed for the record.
11:42
